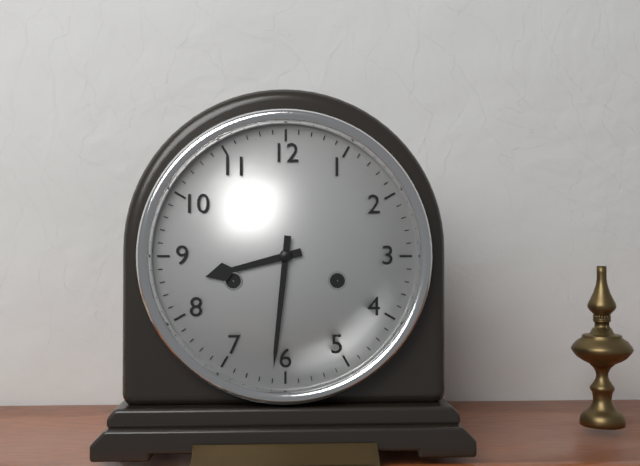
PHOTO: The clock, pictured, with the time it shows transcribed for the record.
8:31
